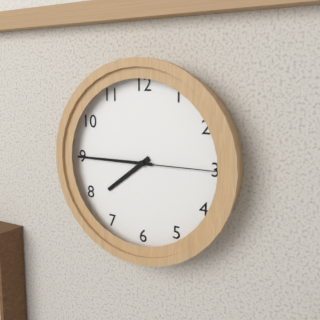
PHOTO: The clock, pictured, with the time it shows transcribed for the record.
7:45:15
